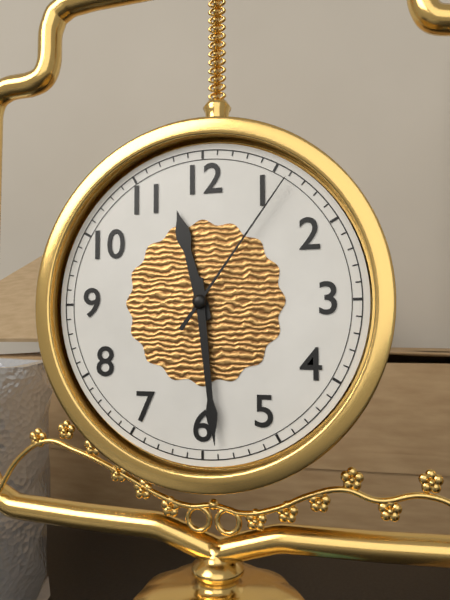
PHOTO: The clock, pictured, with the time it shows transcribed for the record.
11:29:06
